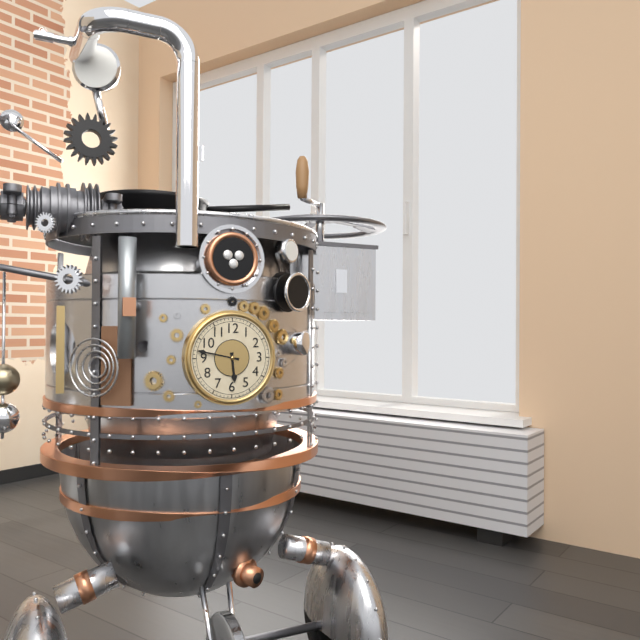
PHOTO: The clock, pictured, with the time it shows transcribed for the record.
5:47
